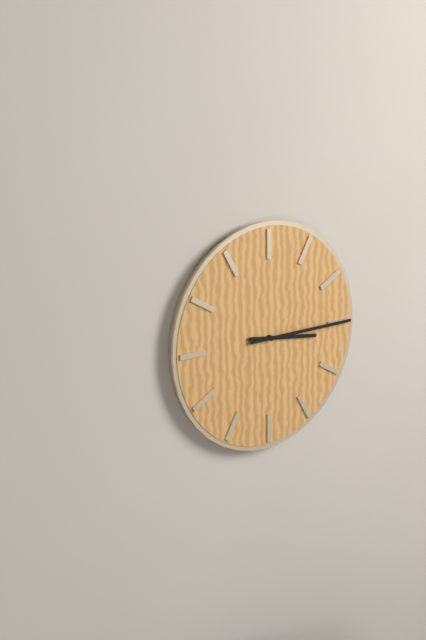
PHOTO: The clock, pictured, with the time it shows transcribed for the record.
3:15
